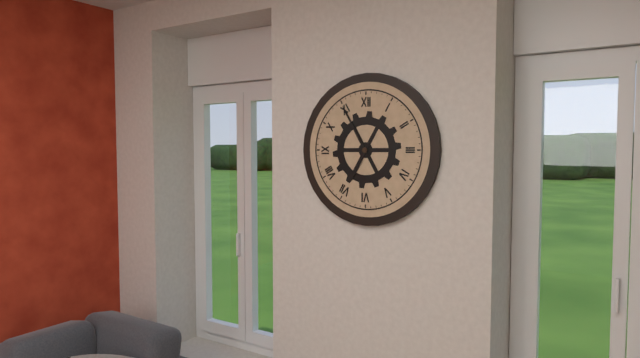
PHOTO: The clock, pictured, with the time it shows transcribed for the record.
6:55
